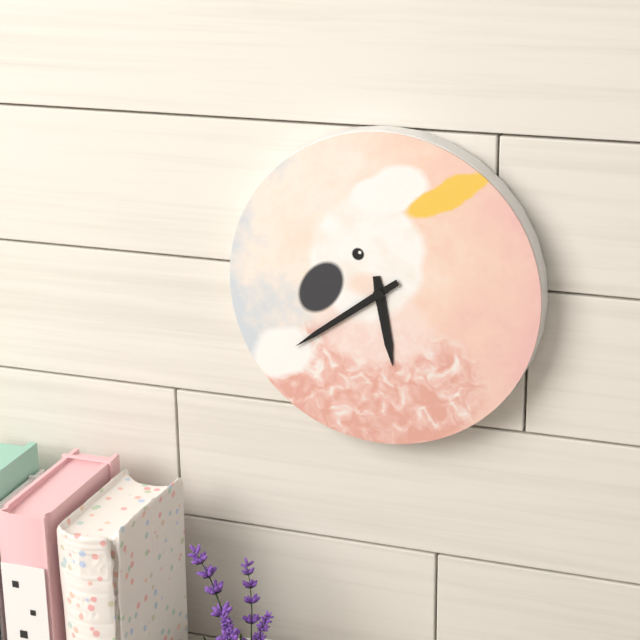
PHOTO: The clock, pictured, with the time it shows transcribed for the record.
5:39
